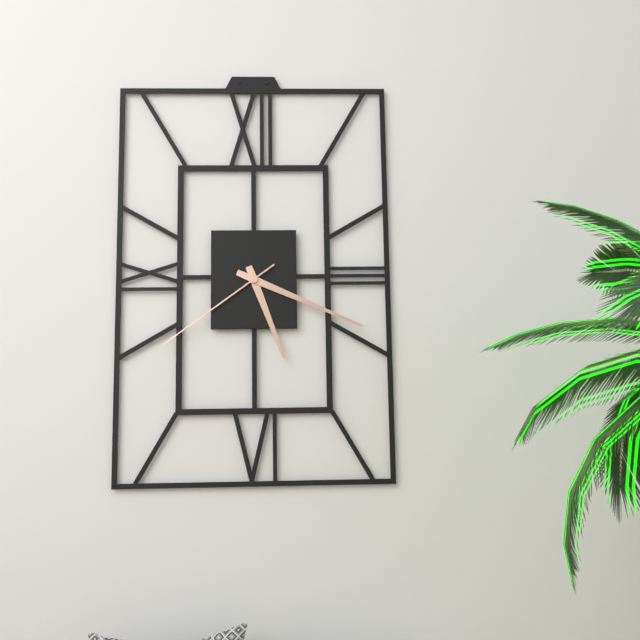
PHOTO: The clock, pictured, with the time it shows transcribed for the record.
5:19:39
